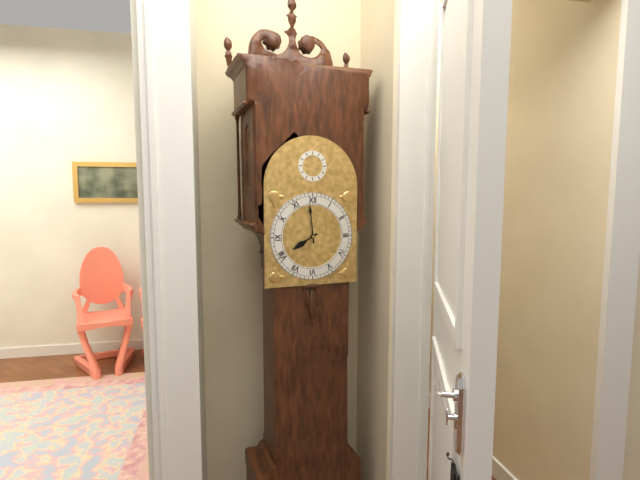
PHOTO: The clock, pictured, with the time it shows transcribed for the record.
7:59
